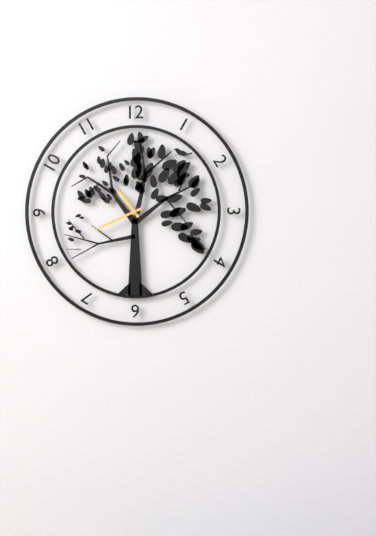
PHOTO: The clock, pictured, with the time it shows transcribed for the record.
10:41
